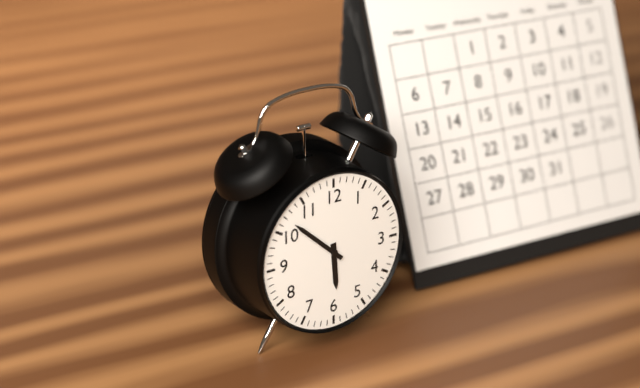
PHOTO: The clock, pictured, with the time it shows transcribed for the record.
5:52
